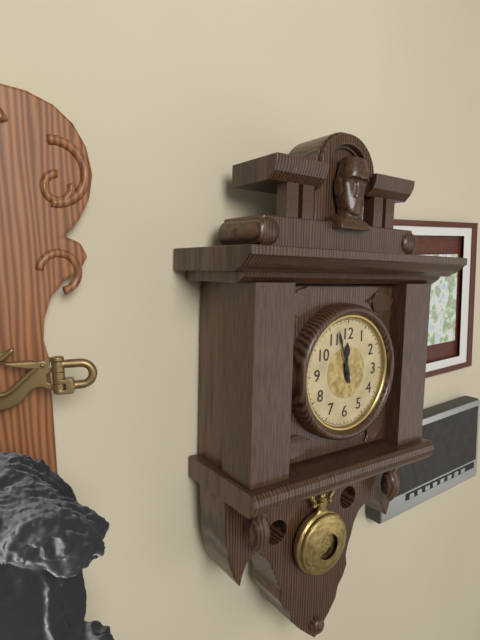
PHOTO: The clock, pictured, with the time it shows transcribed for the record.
11:57
